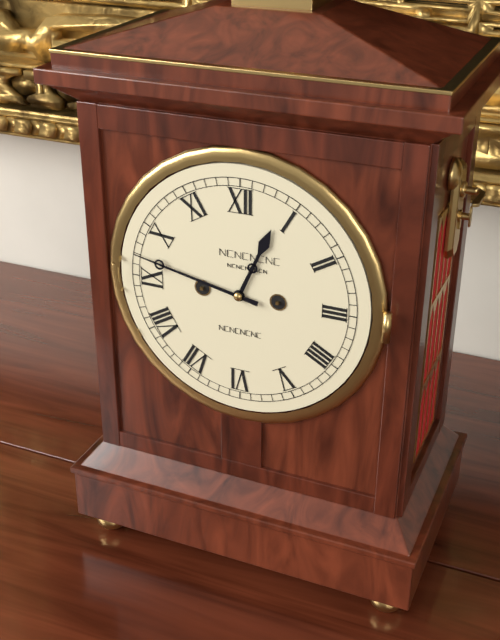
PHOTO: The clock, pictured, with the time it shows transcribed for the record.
12:47
